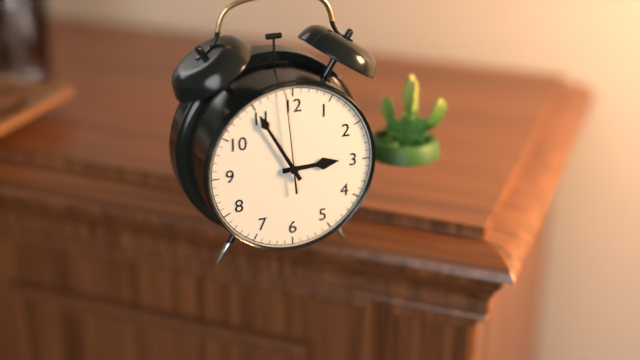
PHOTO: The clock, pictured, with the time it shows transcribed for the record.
2:55:59
